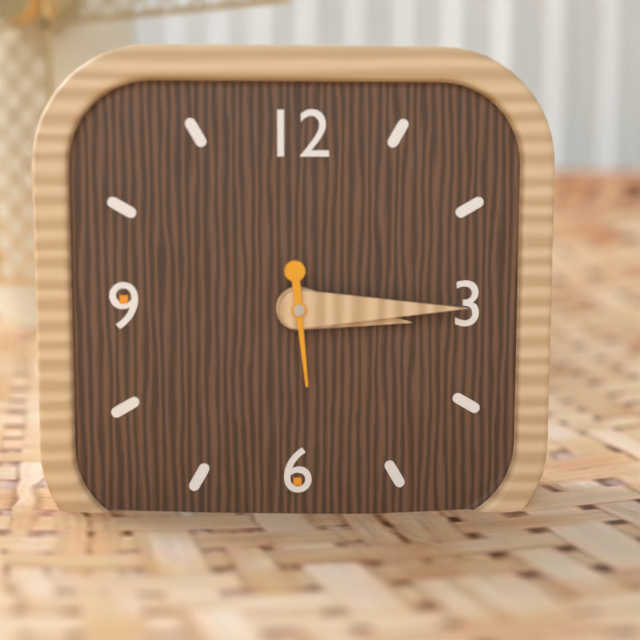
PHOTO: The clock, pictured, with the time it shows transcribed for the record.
3:15:29
